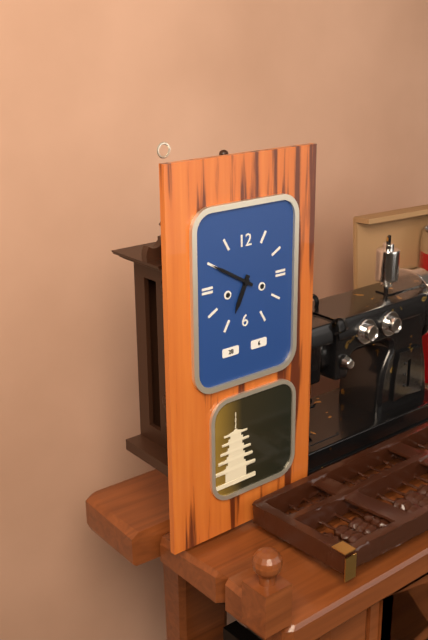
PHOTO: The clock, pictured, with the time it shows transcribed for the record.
6:50
